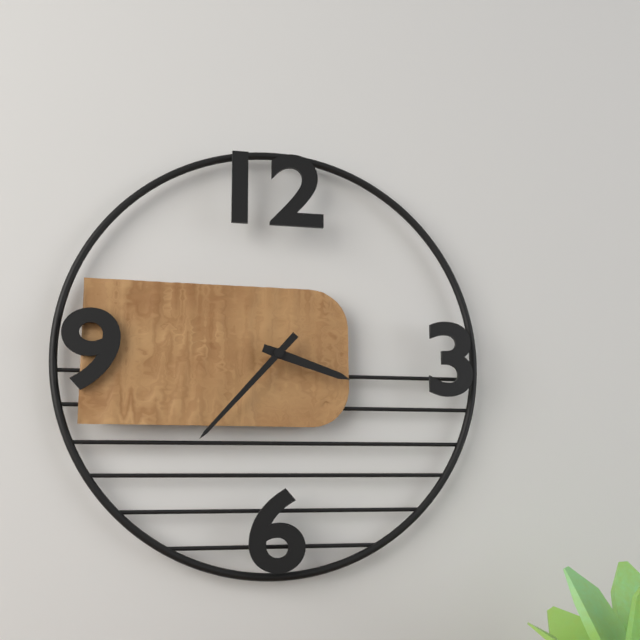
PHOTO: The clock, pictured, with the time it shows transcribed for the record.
3:37
